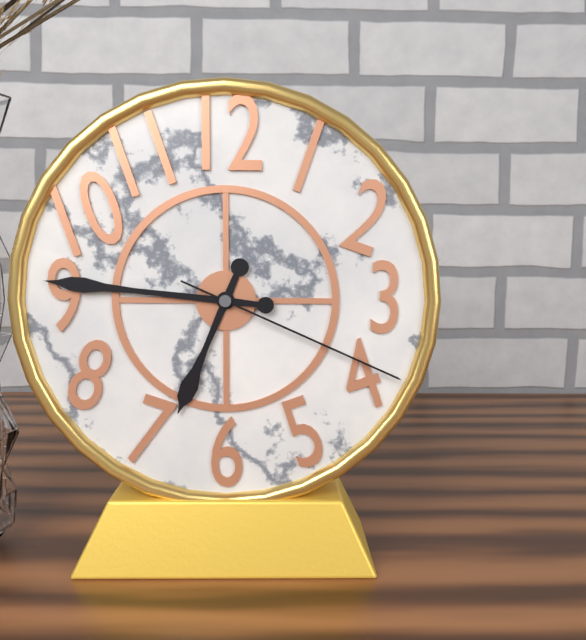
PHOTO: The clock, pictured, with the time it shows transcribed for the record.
6:46:19
